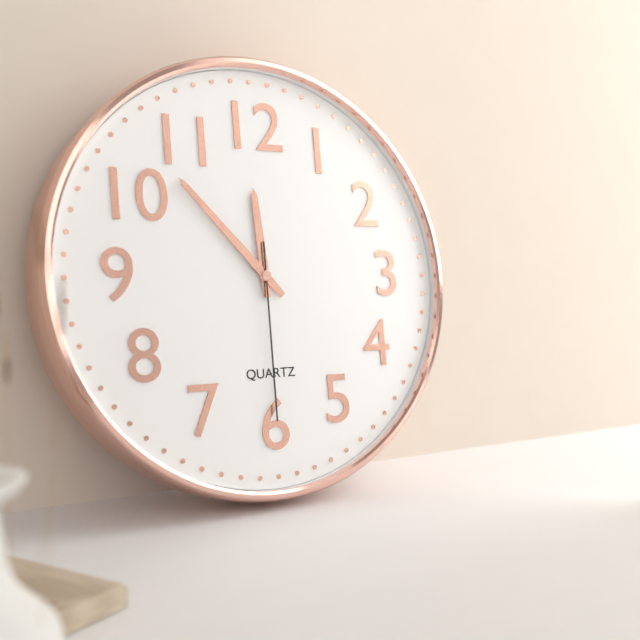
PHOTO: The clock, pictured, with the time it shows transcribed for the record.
11:53:30
